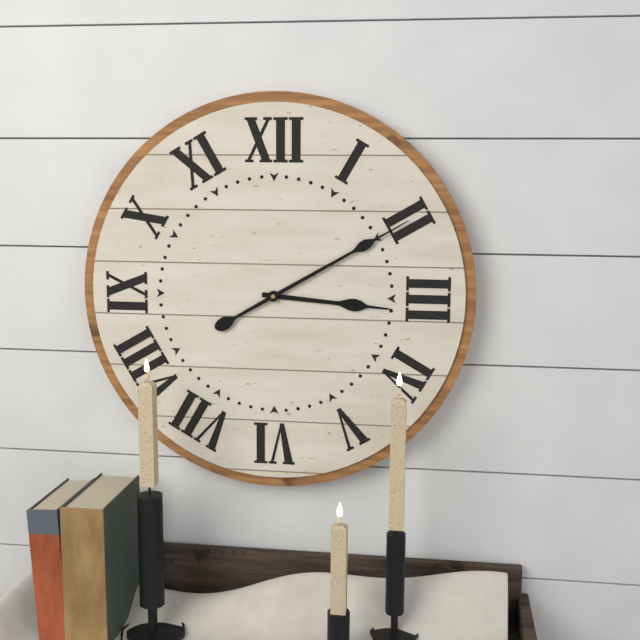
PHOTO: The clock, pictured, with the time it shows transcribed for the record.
3:10
